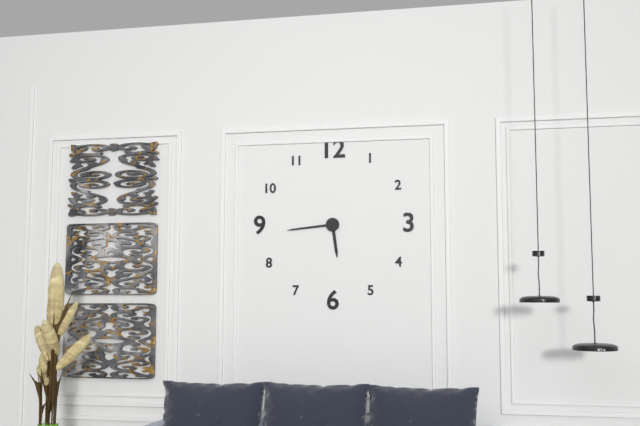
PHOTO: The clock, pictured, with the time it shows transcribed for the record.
5:44
